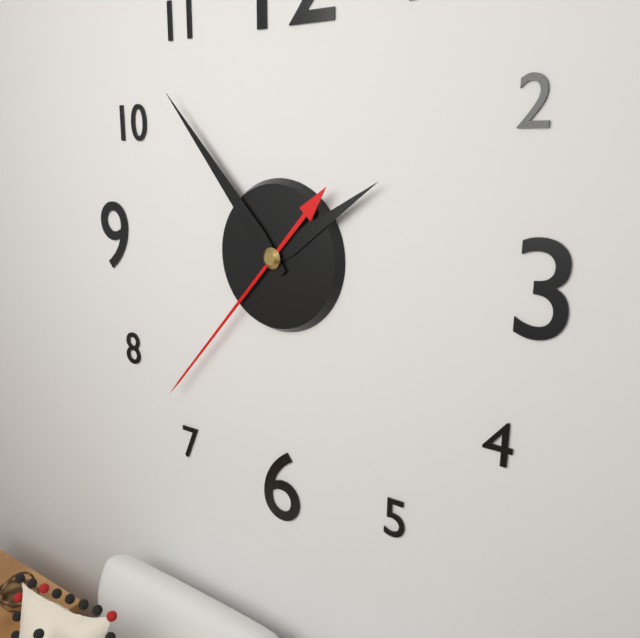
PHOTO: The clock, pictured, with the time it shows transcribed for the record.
1:53:37
